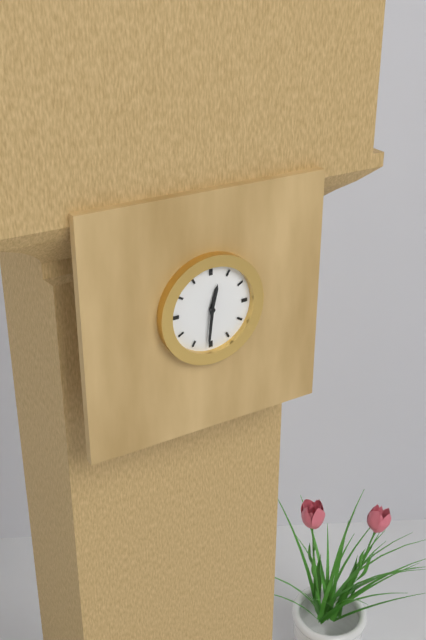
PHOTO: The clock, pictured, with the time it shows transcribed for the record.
12:31
